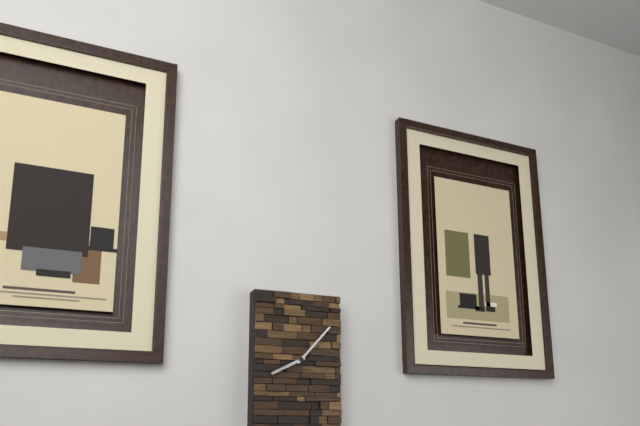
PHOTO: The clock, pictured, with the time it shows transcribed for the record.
8:07
